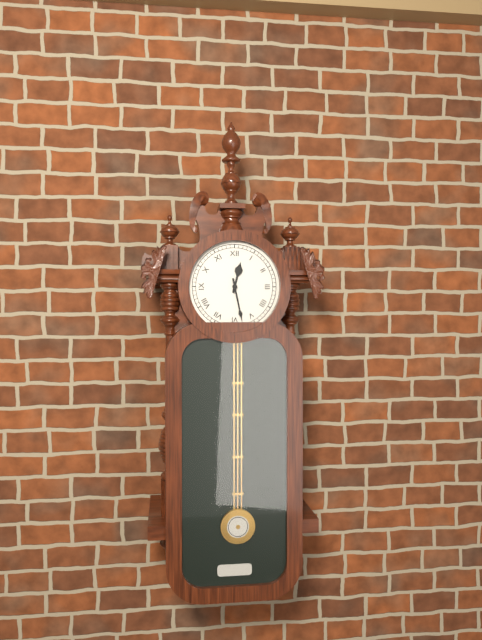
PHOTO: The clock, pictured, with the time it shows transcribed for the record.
12:28
